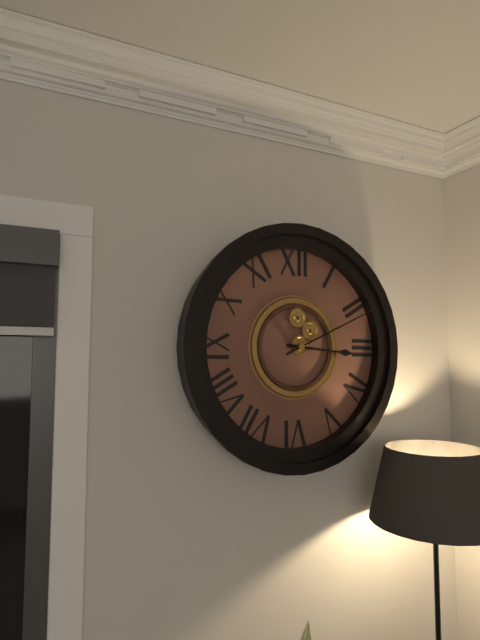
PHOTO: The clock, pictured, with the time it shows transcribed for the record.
3:11
